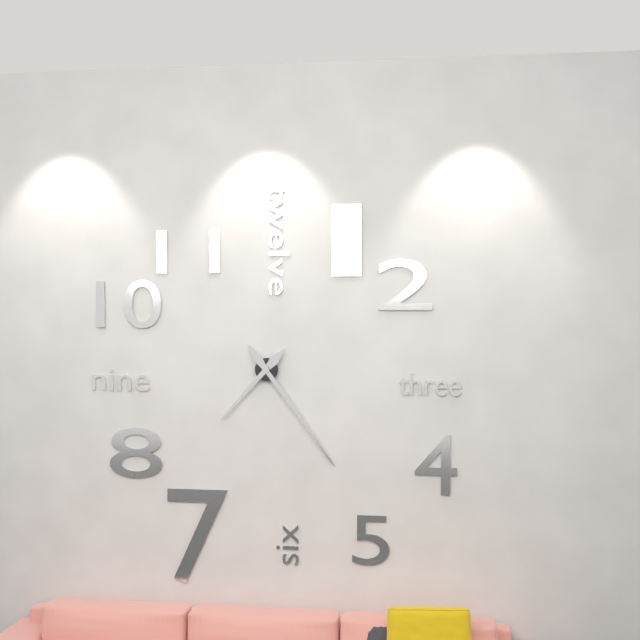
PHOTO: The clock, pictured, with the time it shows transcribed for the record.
7:24
